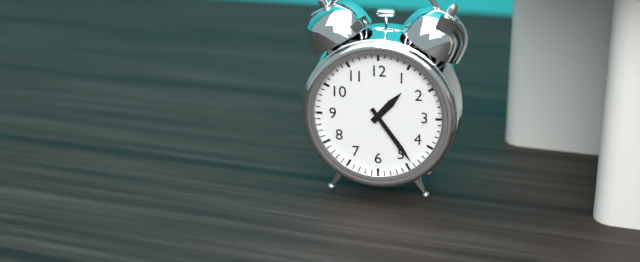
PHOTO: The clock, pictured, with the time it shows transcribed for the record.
1:24
